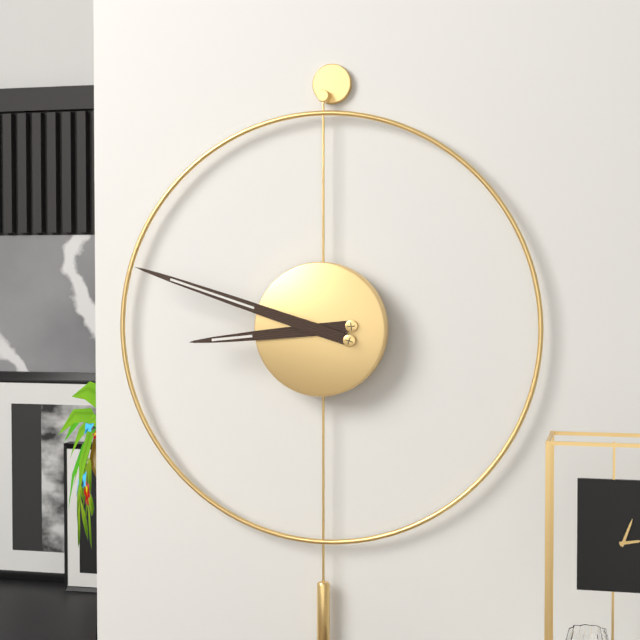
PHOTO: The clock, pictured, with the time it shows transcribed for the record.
8:48
